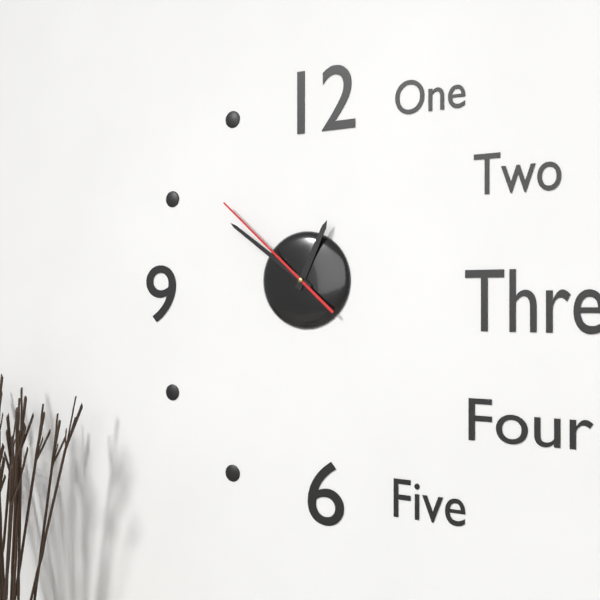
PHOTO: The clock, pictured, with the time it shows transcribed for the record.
12:51:52
